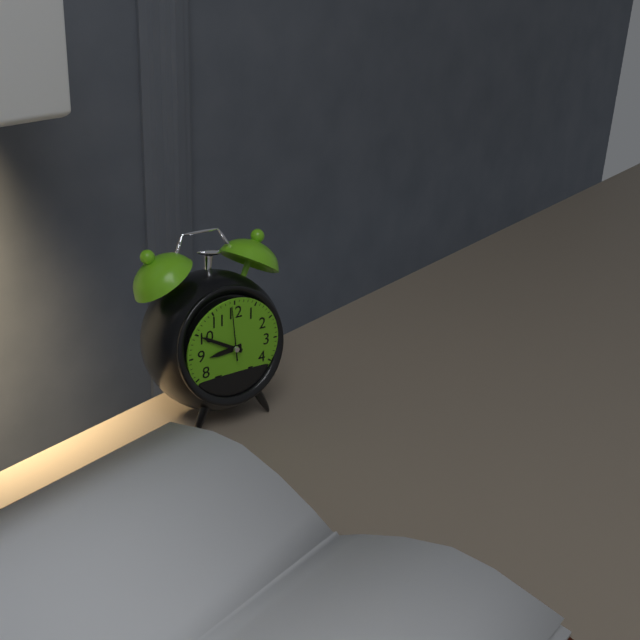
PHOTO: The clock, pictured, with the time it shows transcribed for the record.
8:50:59
